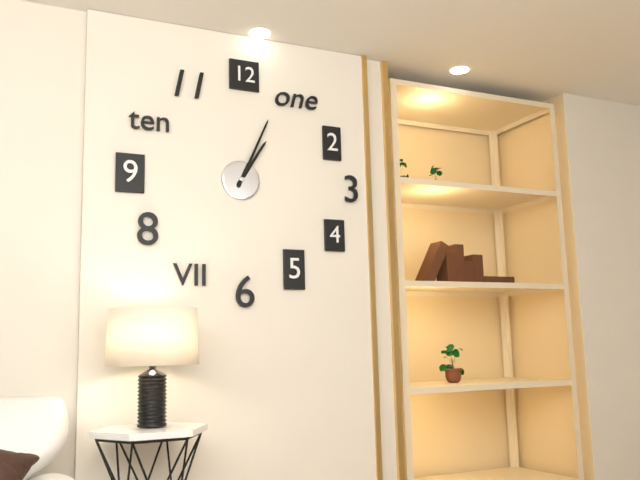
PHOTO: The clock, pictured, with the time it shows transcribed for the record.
1:04
